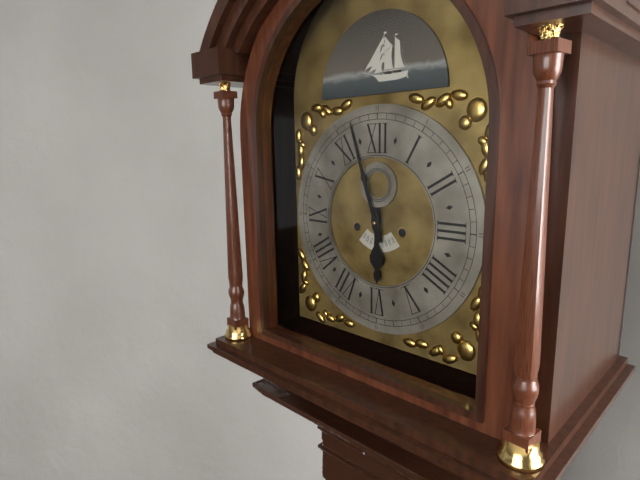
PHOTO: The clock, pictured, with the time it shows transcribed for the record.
5:57
